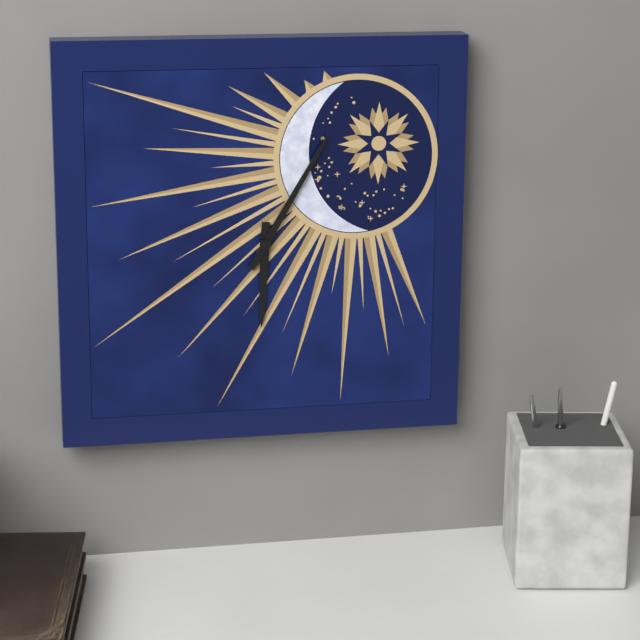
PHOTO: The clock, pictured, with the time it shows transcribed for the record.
6:05
